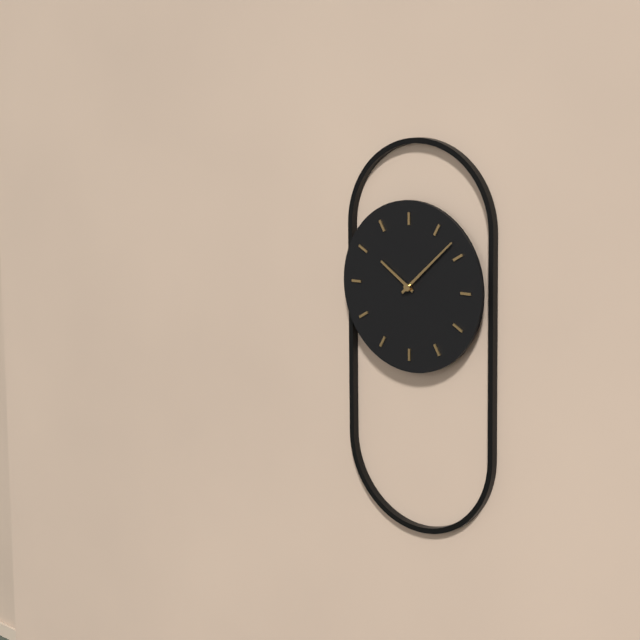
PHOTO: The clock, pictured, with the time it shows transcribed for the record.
10:08
